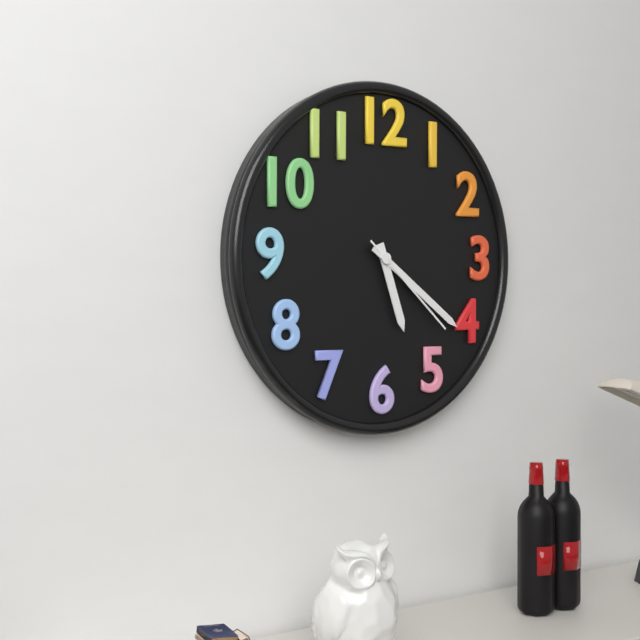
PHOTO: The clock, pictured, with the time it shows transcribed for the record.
5:21:22
